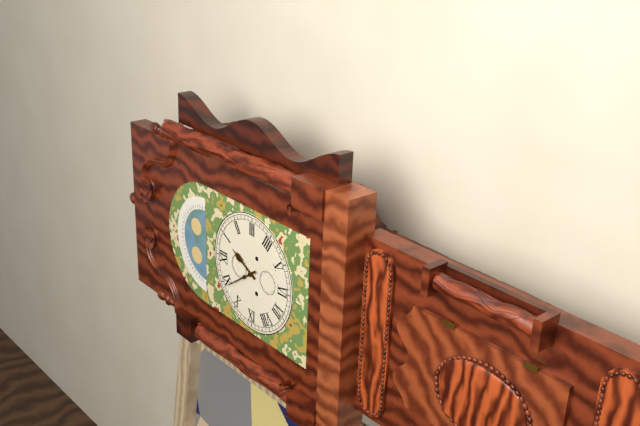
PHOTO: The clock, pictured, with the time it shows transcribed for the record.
12:54
